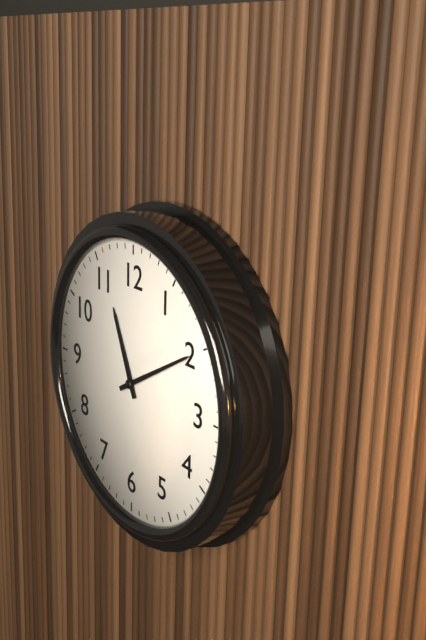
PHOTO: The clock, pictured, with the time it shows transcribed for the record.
11:10
